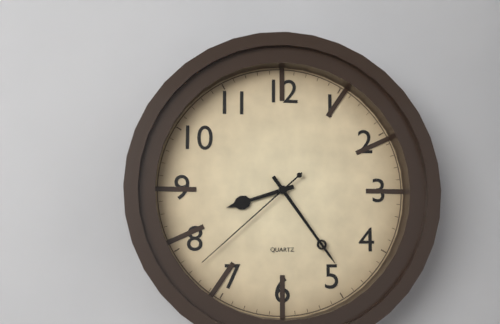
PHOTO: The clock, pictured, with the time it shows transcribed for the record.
8:24:38
